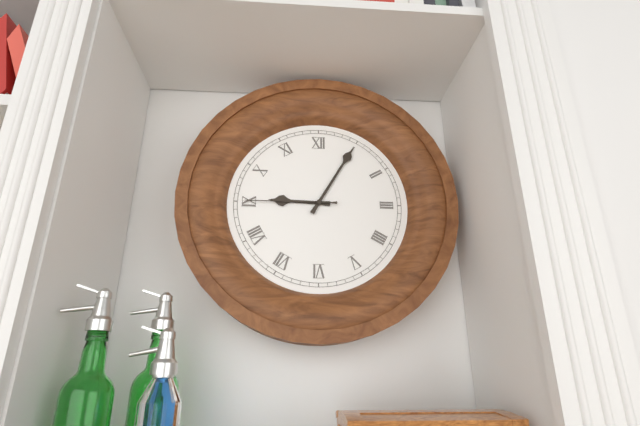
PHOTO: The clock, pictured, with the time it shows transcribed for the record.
9:05:45
